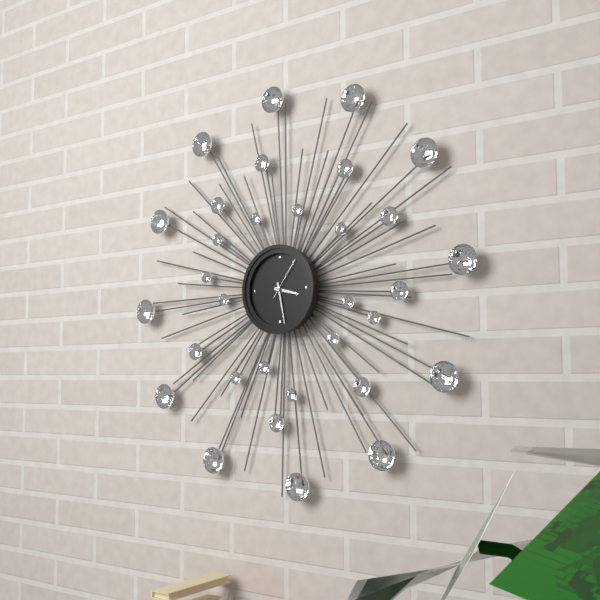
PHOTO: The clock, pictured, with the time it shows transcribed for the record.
3:28
